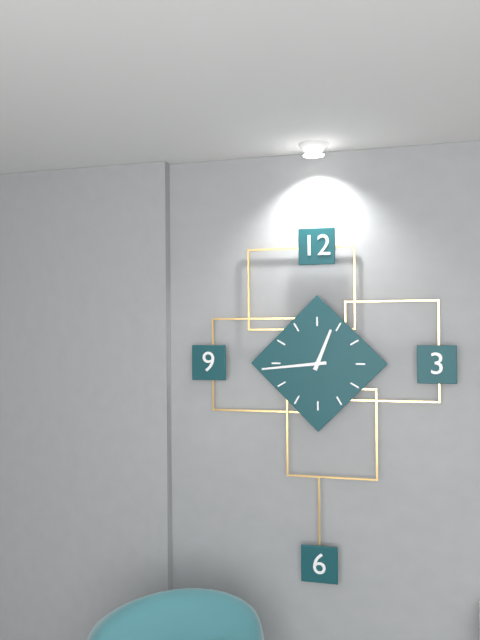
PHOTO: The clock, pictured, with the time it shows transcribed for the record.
12:44
